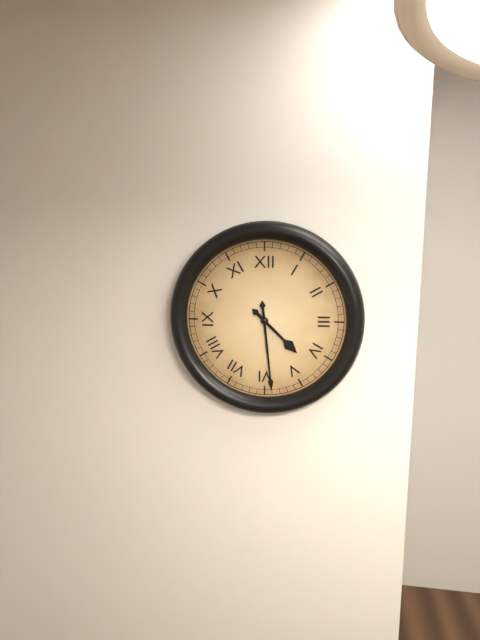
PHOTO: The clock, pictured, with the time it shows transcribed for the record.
4:29
